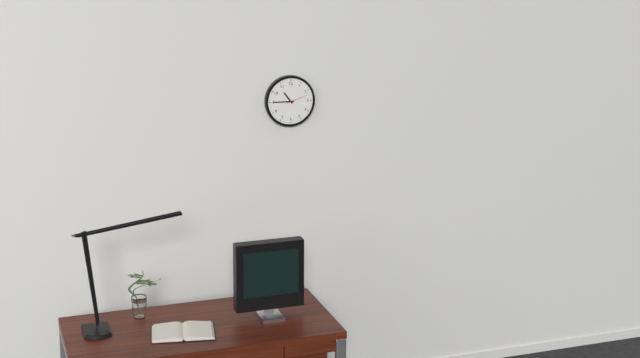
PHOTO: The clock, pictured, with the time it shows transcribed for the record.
10:45
